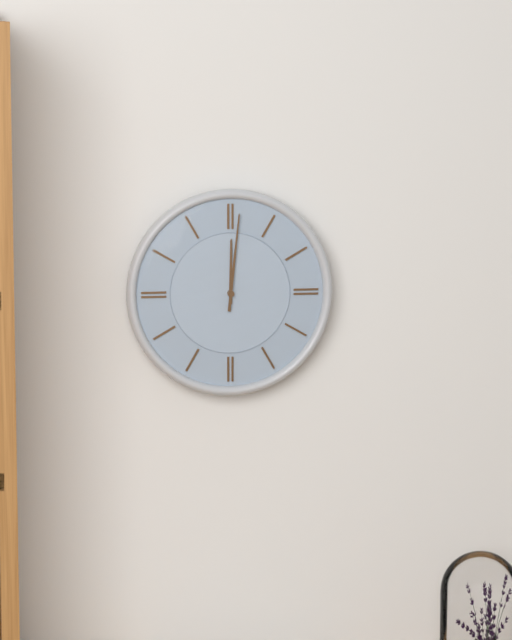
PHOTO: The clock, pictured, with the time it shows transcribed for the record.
12:01
